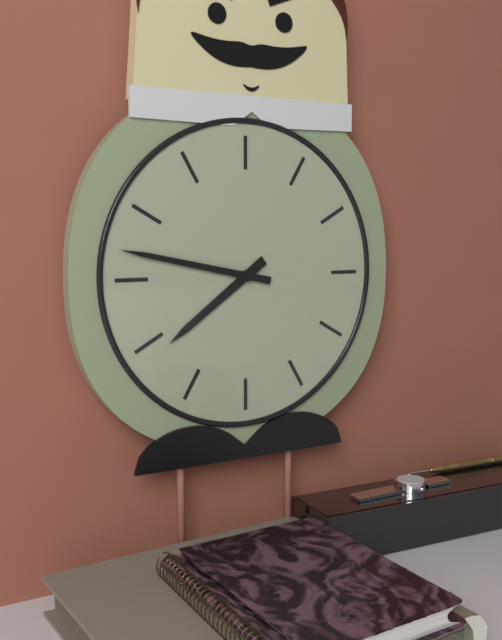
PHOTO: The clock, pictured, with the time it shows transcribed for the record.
7:47
